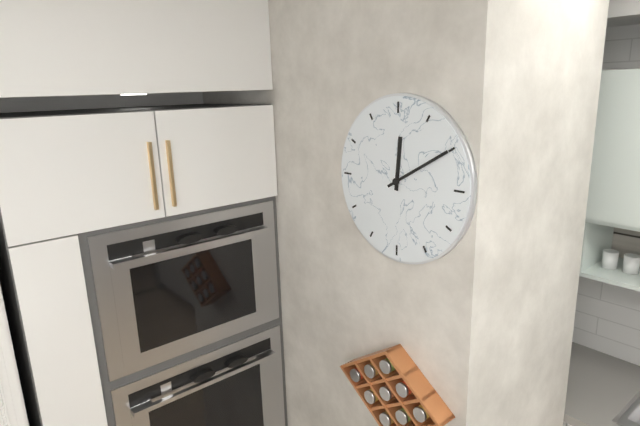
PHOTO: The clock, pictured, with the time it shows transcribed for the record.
12:10
